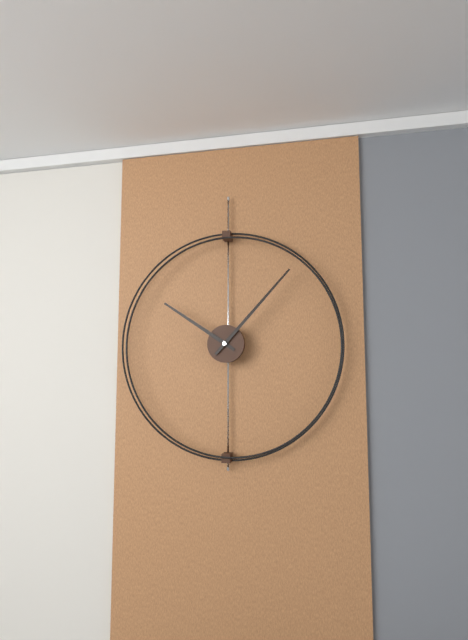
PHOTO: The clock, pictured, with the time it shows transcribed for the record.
10:07
